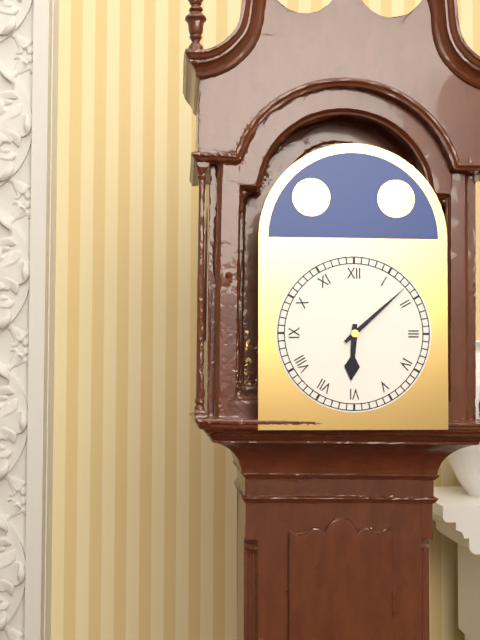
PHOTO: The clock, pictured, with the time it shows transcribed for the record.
6:08
